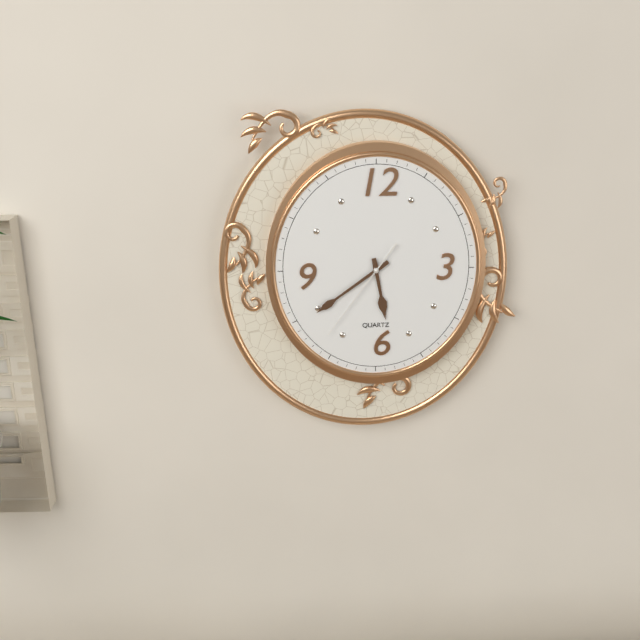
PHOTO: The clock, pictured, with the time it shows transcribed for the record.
5:39:36
